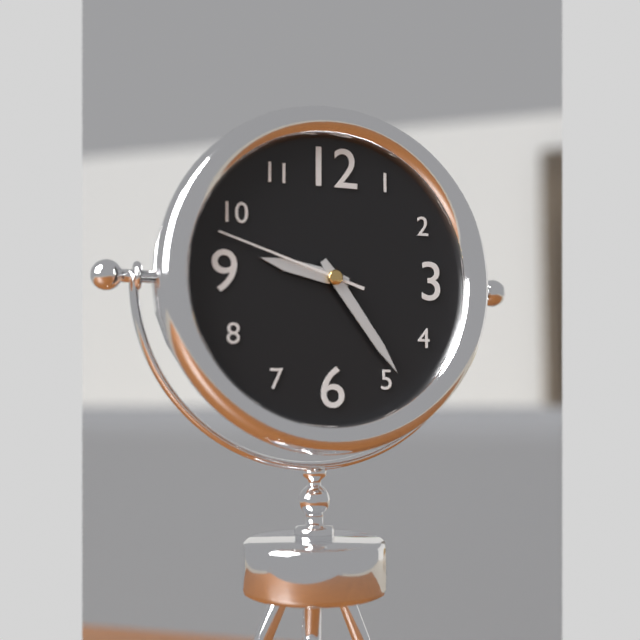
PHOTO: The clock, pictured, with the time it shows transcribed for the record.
9:24:48
